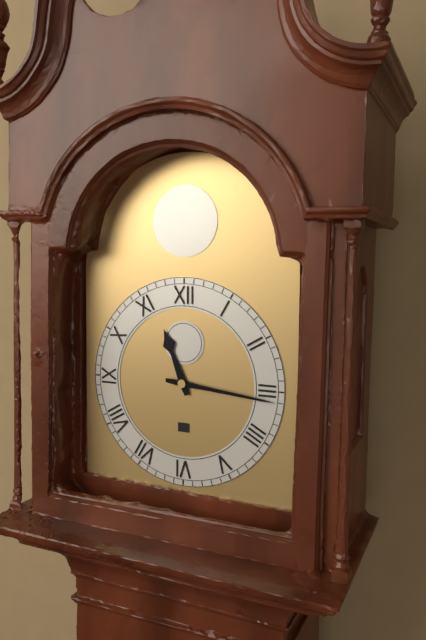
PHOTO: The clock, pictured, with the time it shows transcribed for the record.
11:16
